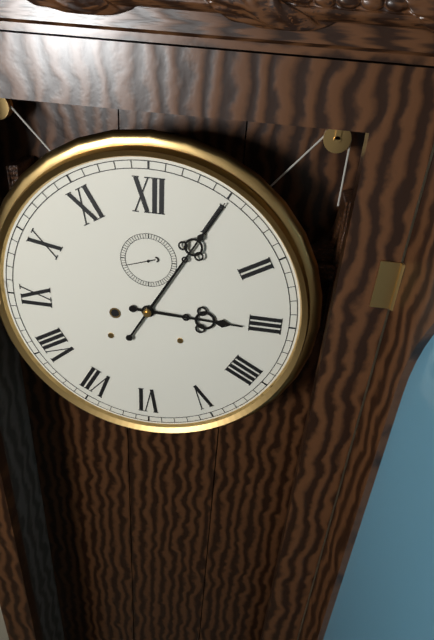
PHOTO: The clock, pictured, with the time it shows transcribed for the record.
3:05
